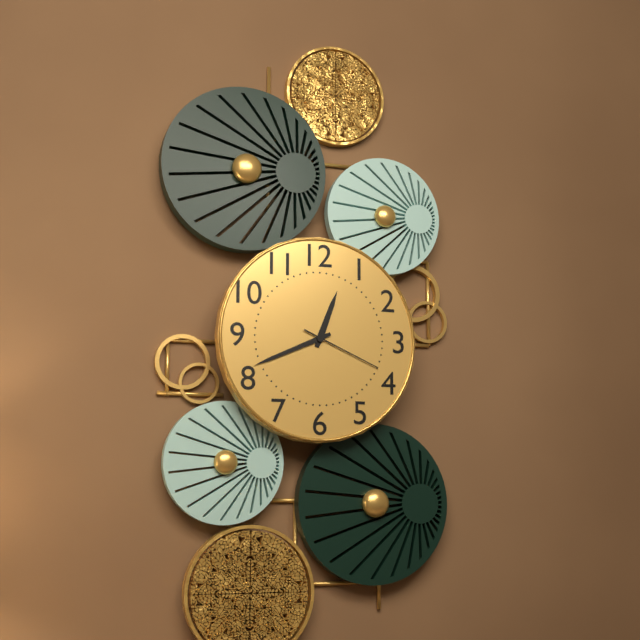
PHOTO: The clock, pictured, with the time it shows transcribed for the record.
12:41:19
